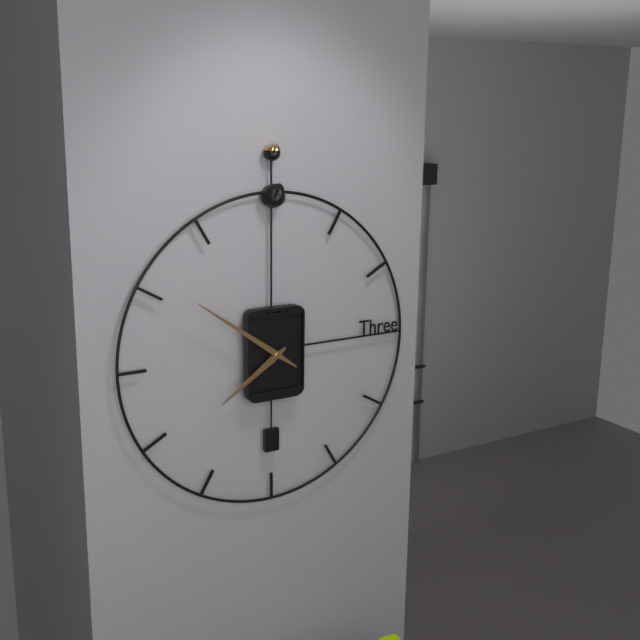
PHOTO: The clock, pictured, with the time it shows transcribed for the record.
7:51
